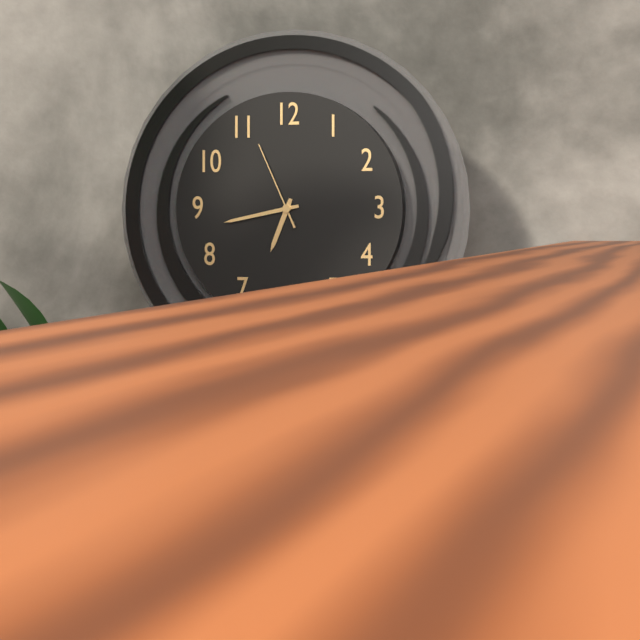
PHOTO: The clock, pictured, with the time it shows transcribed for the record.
6:43:56
